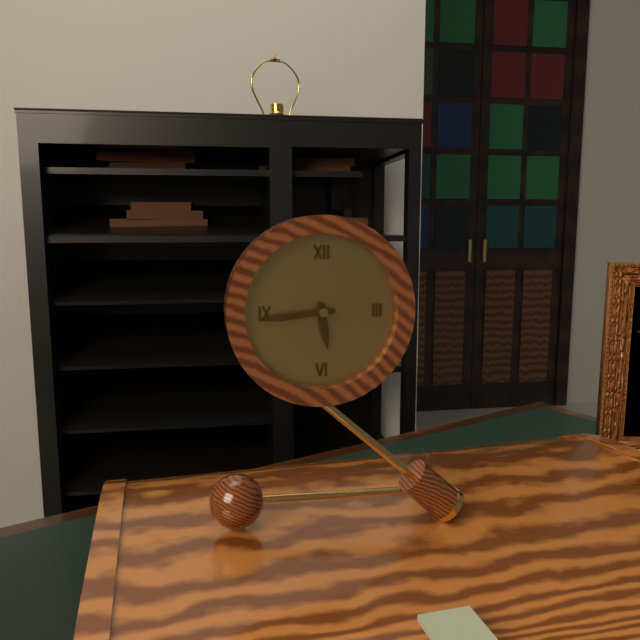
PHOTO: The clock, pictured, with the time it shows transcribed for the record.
5:44
